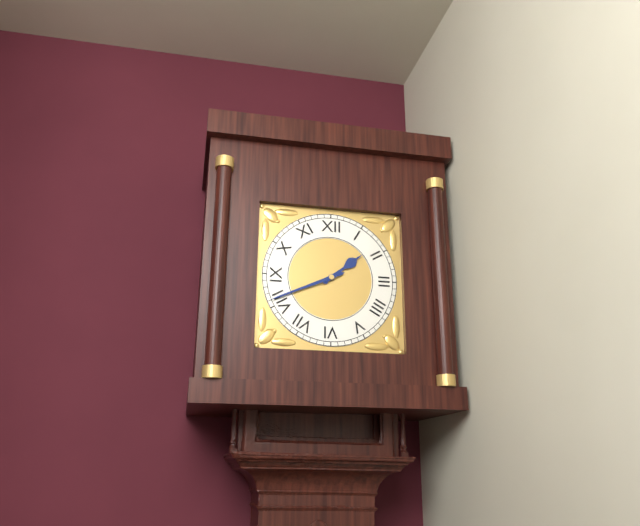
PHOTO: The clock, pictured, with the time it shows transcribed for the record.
1:41
